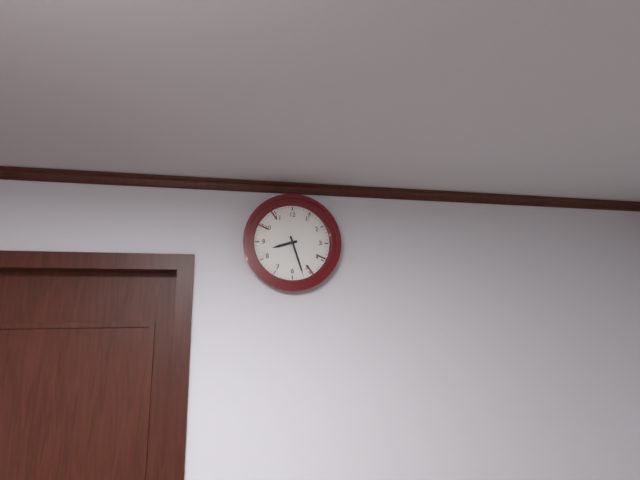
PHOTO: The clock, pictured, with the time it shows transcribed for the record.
8:27
